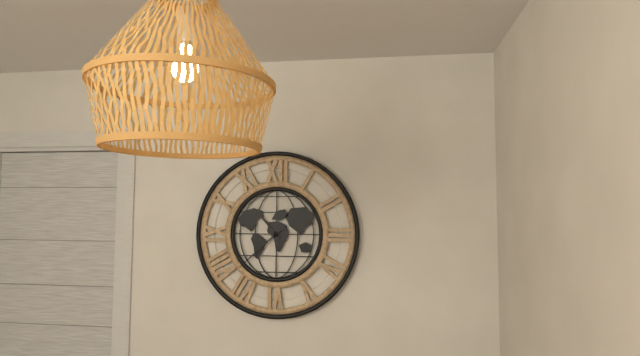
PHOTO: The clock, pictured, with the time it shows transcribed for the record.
10:38
